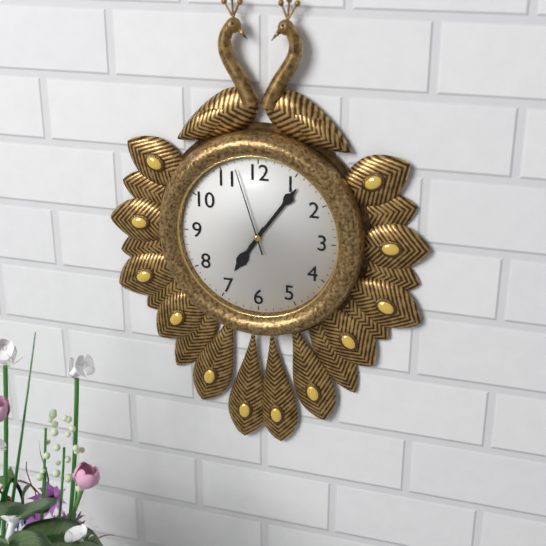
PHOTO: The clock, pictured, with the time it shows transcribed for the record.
7:06:57
